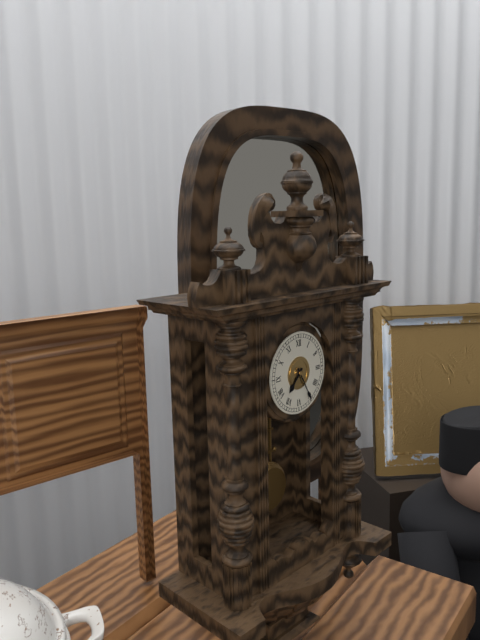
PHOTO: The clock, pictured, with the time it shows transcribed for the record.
7:25
